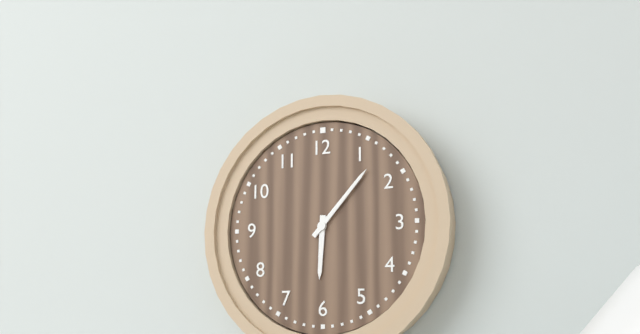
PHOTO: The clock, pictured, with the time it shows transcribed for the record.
6:07
